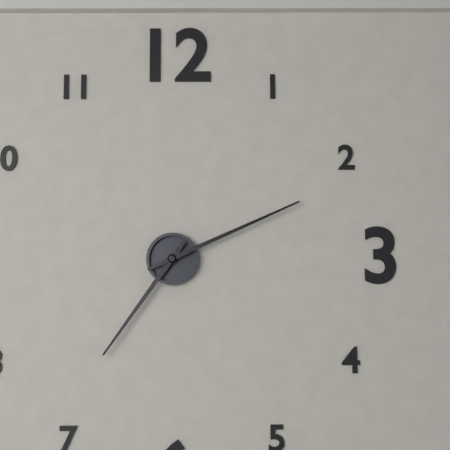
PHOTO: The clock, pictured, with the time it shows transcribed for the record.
7:11
